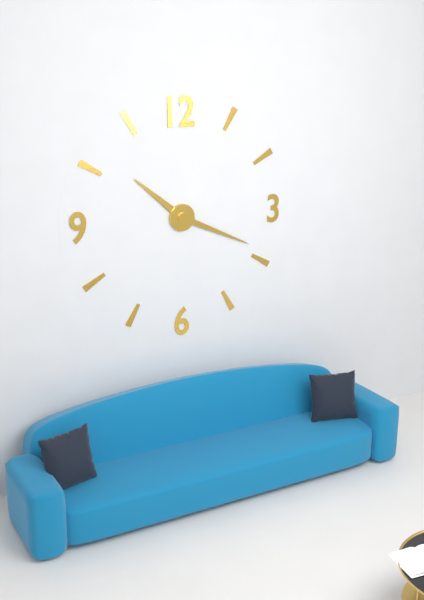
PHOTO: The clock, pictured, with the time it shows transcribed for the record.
10:19
